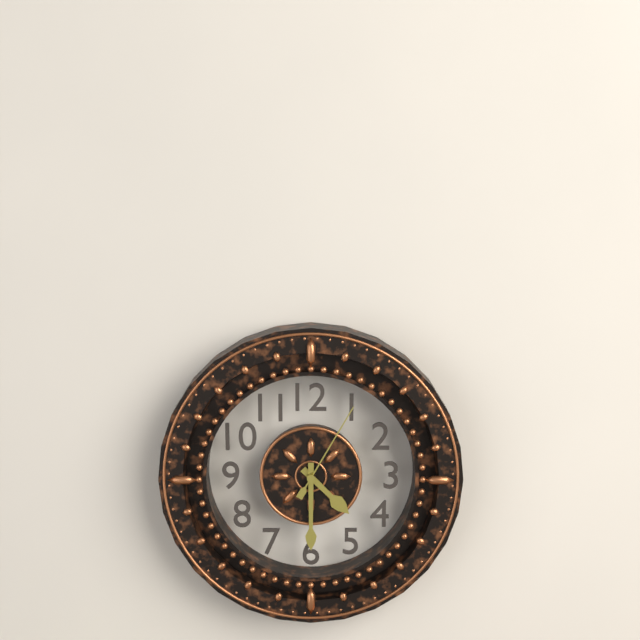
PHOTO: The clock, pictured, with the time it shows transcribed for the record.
4:30:05
